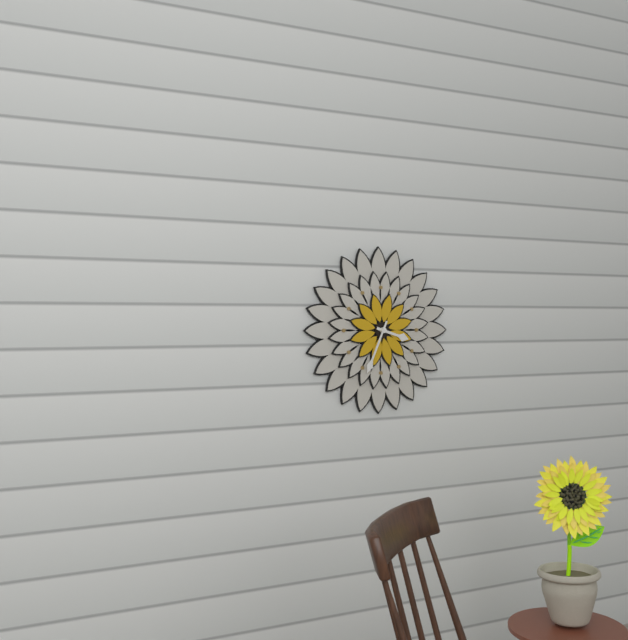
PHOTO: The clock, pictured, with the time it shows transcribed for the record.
3:34
